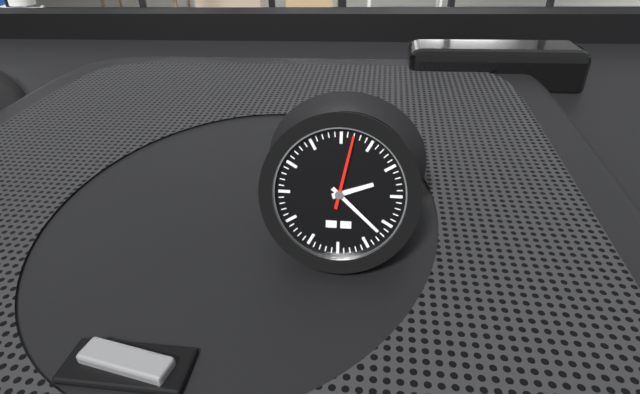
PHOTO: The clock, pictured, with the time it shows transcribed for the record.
2:22:02
